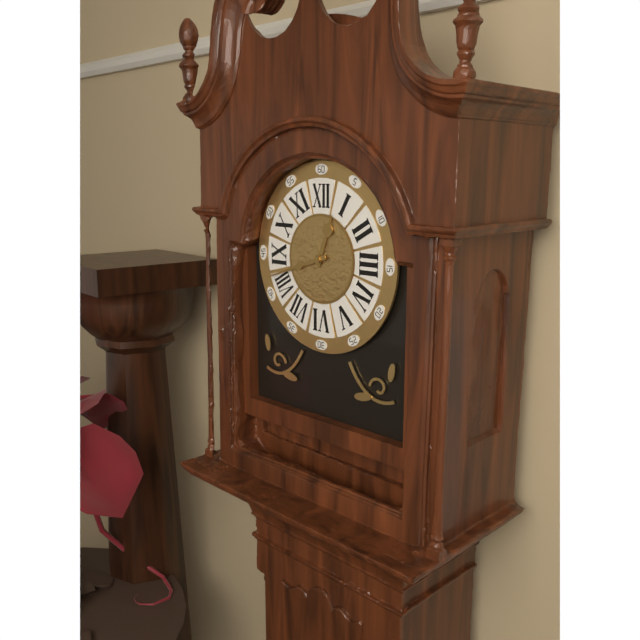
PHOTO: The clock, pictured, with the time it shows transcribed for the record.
12:42
